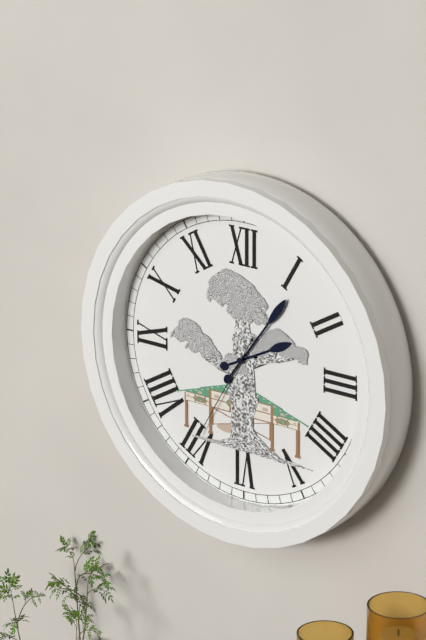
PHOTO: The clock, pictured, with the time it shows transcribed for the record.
2:06:35
